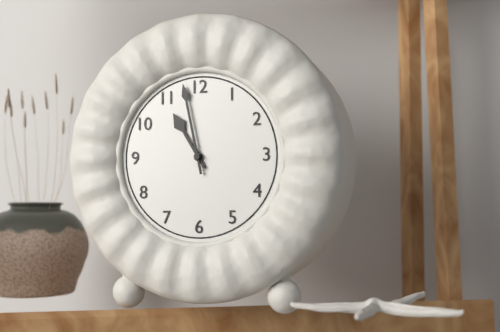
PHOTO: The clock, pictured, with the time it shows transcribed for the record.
10:58
